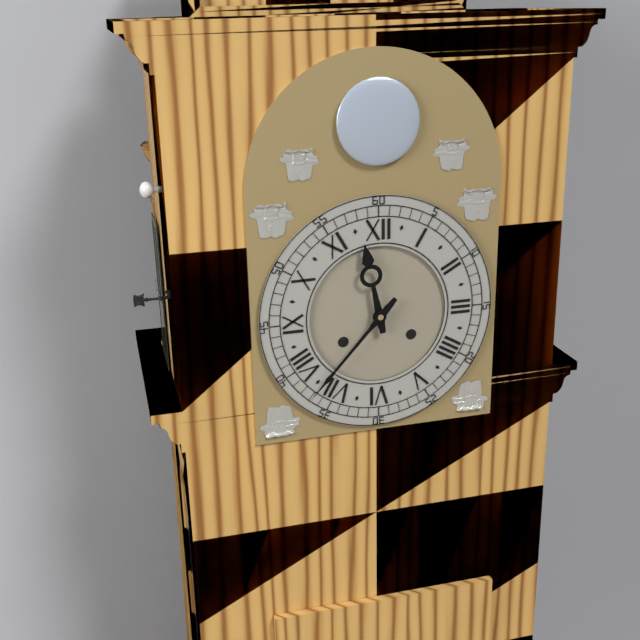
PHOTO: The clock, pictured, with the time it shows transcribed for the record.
11:37
